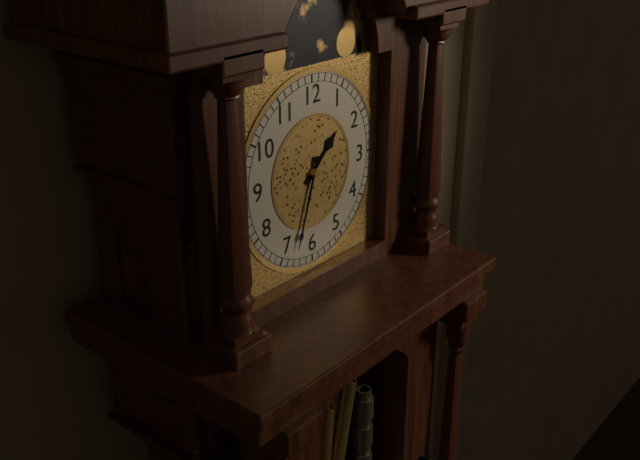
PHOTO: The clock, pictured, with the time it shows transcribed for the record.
1:33
